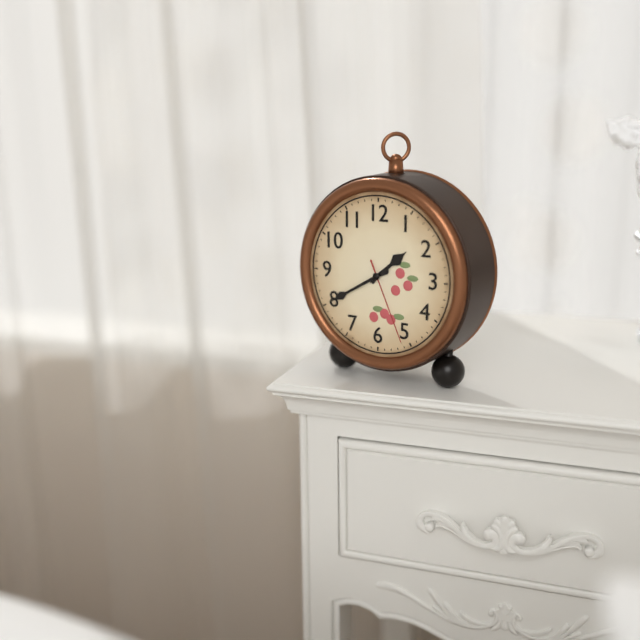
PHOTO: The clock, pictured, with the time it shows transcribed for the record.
1:40:26
